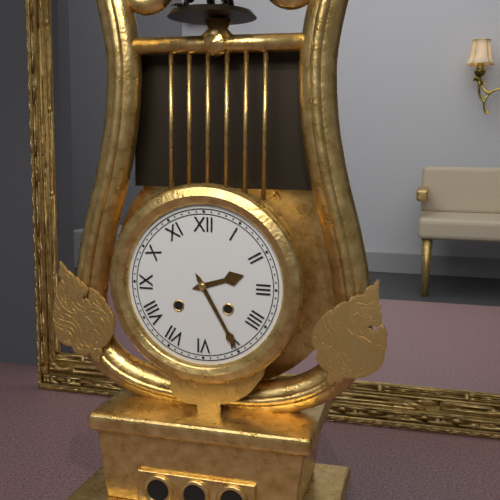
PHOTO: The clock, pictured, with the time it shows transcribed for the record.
2:25
